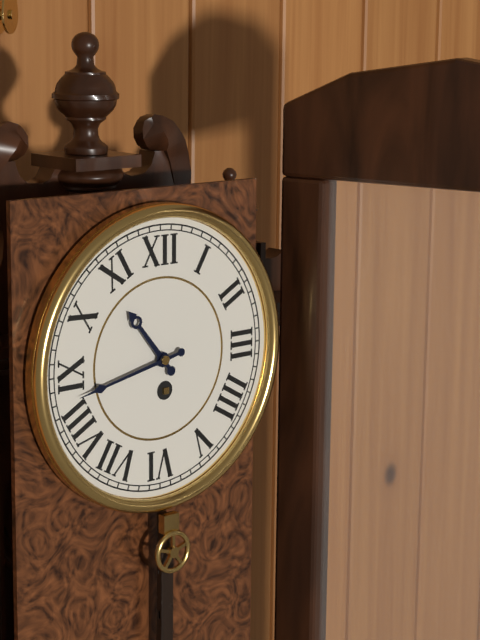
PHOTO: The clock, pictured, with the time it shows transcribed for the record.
10:43
